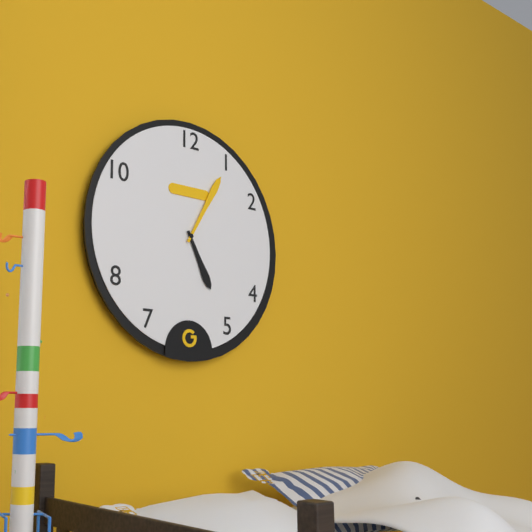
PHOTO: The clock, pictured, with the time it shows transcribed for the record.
5:05
